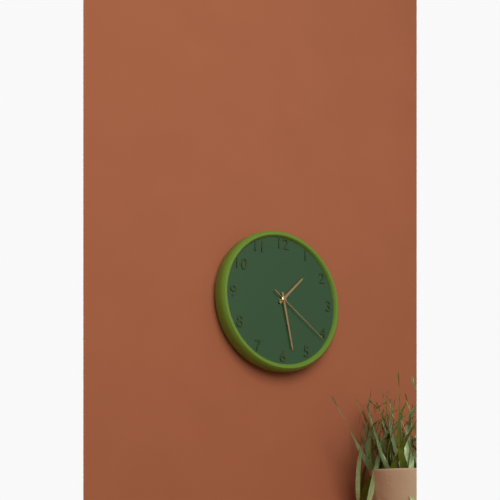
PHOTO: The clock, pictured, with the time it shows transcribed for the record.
1:28:21
